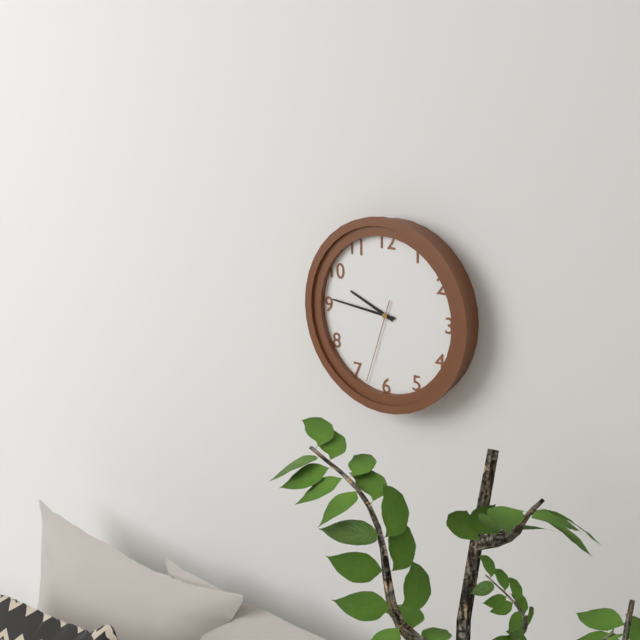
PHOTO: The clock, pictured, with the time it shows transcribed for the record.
9:46:33
